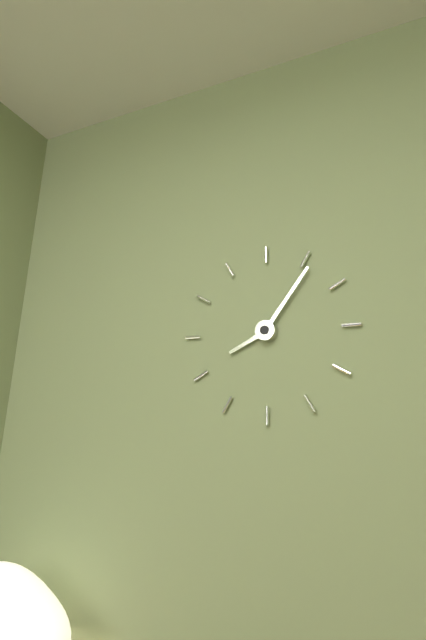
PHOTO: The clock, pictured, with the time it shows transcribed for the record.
8:06
